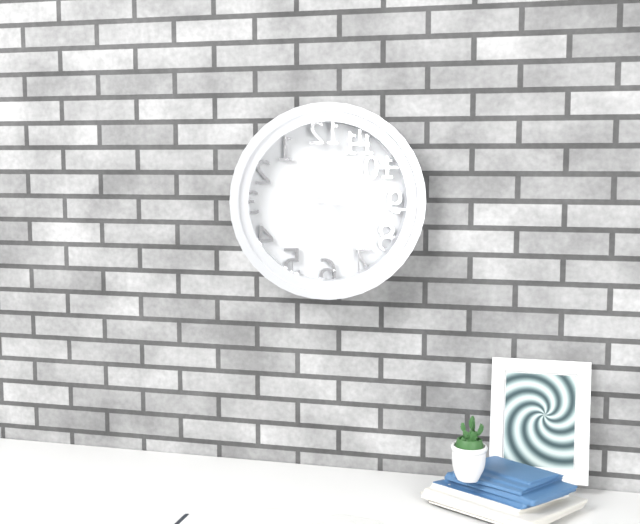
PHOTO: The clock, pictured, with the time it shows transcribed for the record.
5:16
